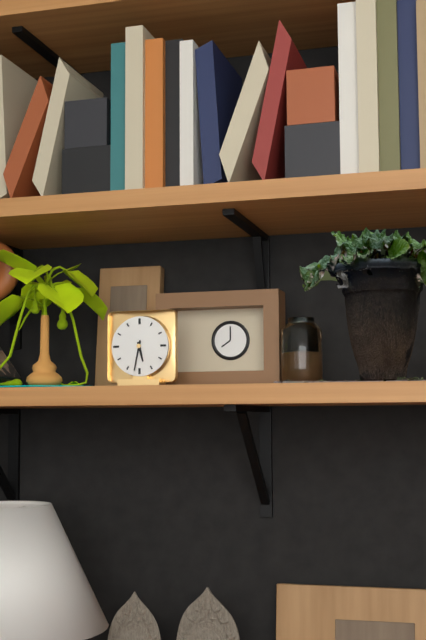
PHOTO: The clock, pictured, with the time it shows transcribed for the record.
5:32
